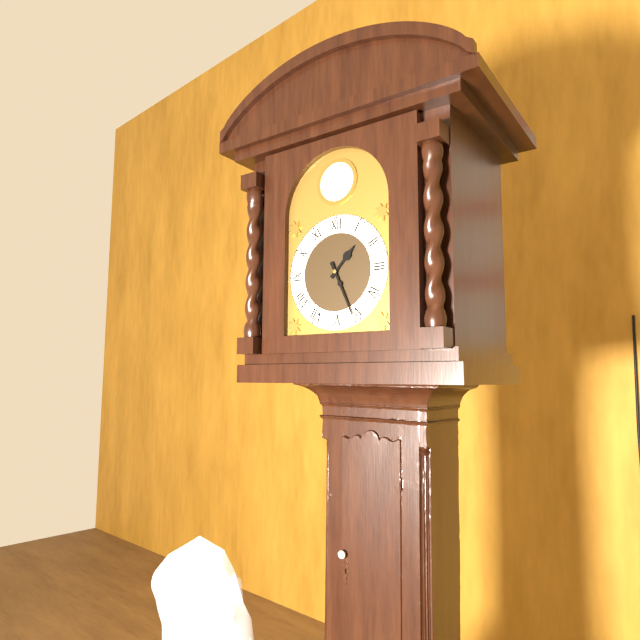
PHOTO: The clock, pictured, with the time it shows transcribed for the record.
1:26
